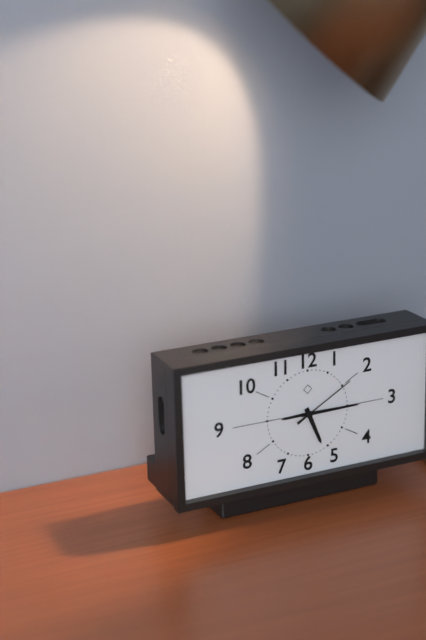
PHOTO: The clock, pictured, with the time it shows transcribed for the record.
5:15:10
